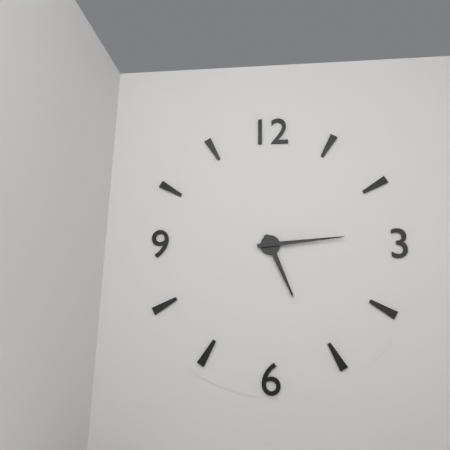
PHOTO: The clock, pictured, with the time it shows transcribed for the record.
5:14
